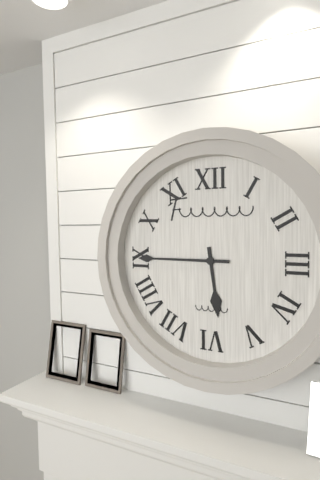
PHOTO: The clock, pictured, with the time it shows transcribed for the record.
5:45
